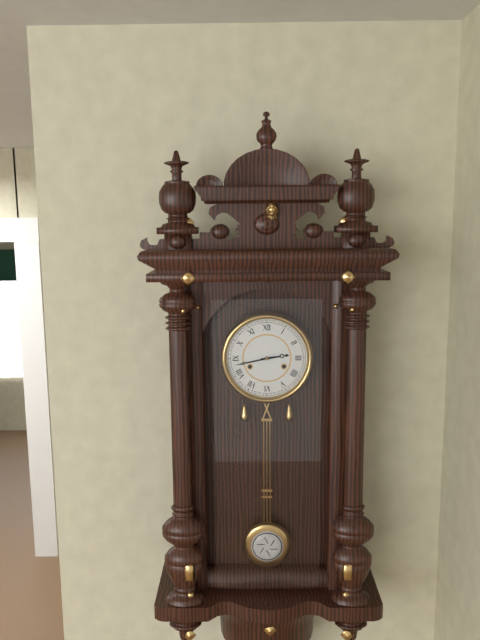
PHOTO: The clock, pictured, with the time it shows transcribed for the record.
2:43
